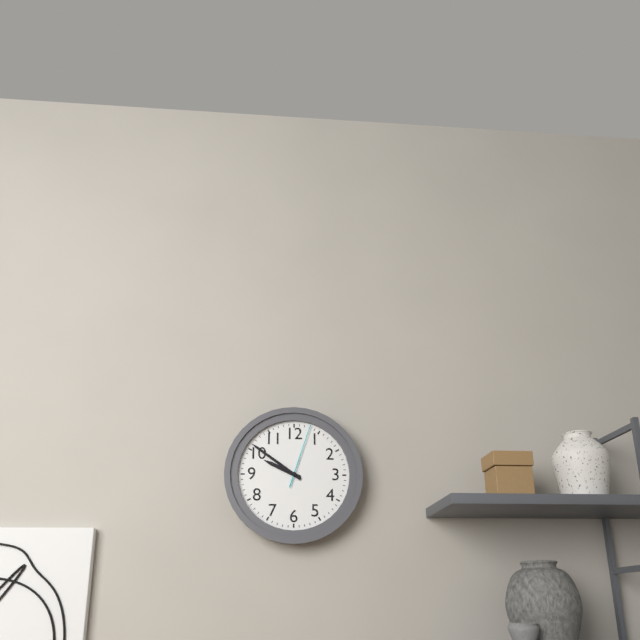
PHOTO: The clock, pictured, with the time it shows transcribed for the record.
9:51:03
